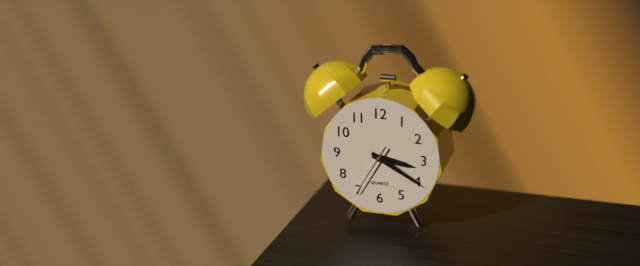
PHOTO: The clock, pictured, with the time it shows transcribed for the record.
3:20:35
